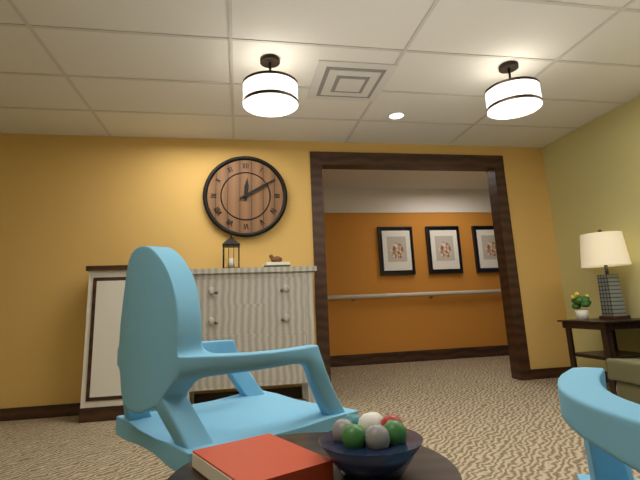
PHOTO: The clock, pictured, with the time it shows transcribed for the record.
12:10
